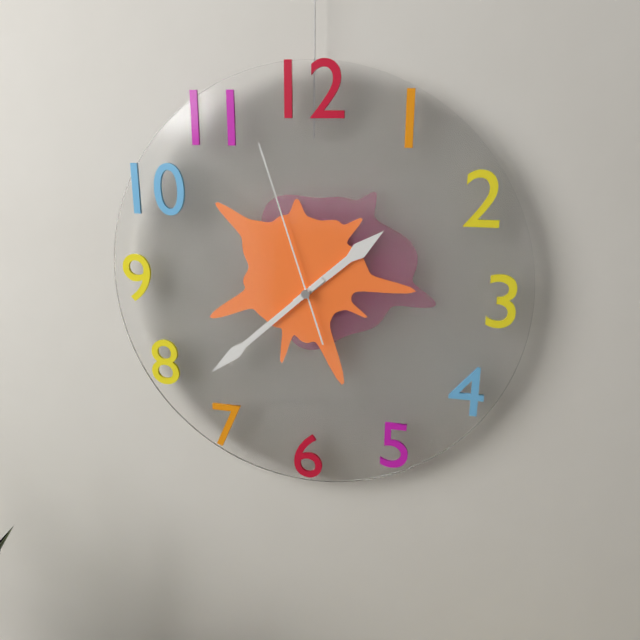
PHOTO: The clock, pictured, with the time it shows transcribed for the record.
1:38:57
